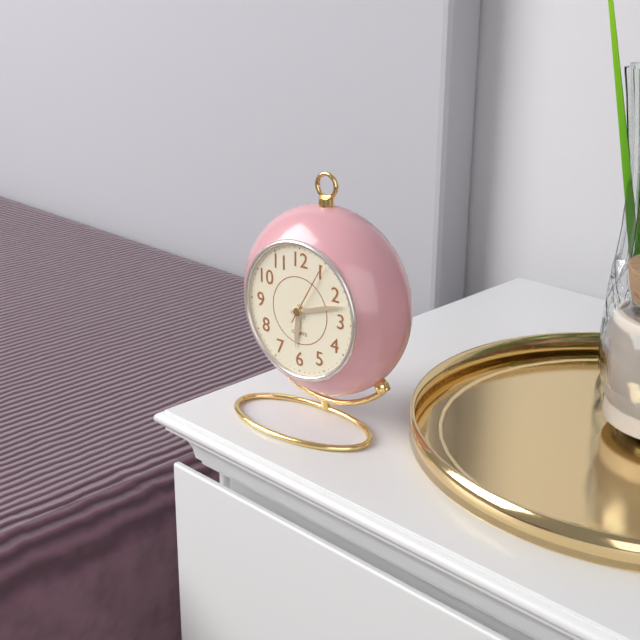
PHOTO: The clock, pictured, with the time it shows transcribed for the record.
6:12:05
